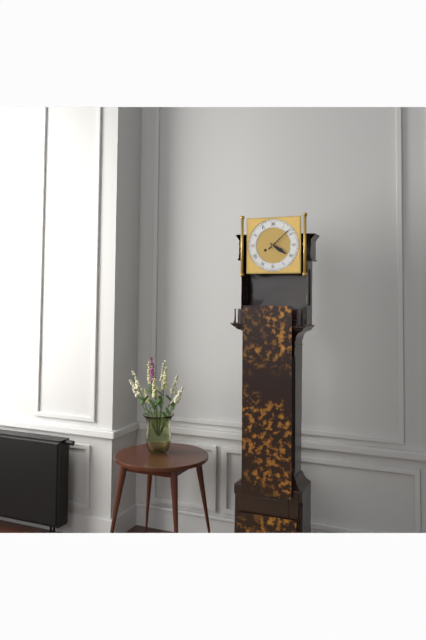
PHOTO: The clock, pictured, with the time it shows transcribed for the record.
4:08
